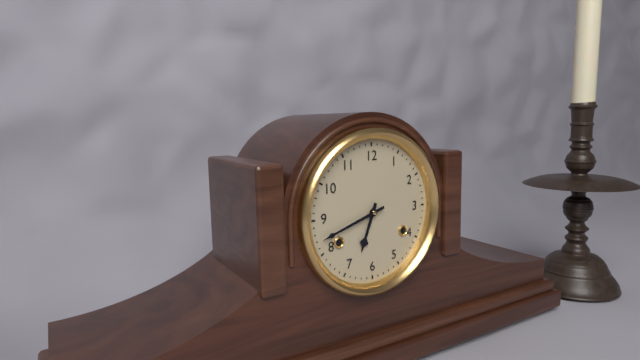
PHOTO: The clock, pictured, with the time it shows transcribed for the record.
6:42
